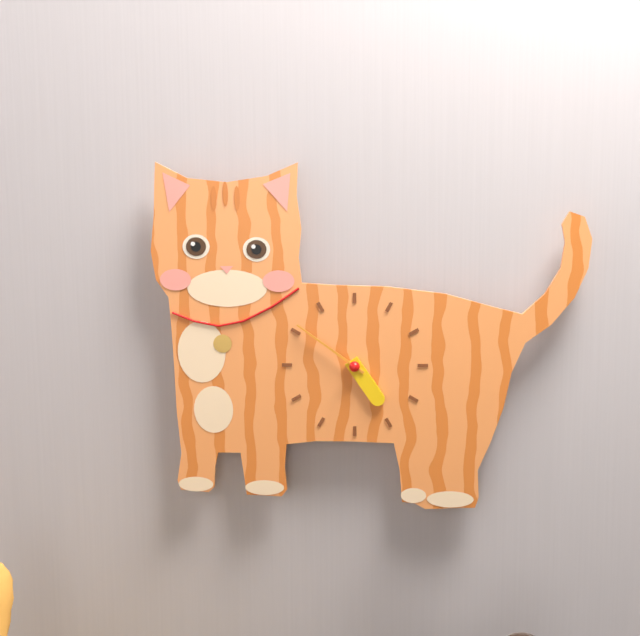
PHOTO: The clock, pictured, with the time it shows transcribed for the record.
4:51
